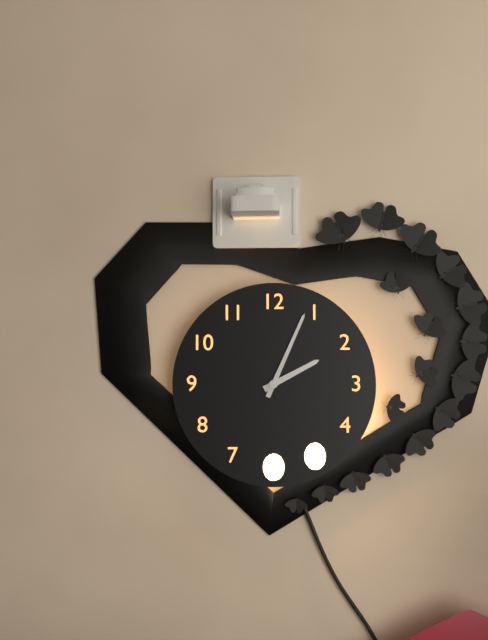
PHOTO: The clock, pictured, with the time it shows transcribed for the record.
2:04
